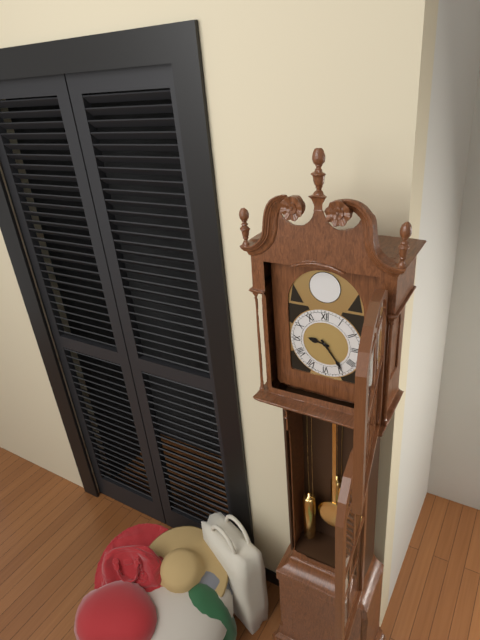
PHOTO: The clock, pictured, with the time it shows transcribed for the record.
9:24
